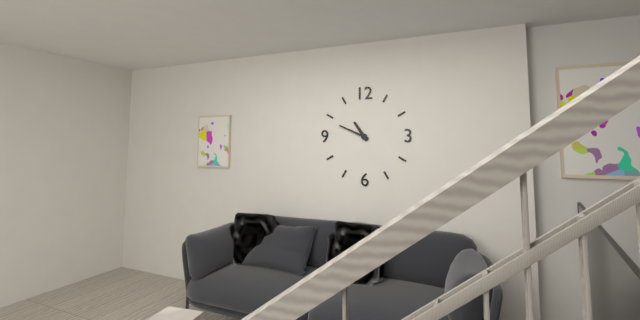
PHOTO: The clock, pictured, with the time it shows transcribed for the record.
10:49
